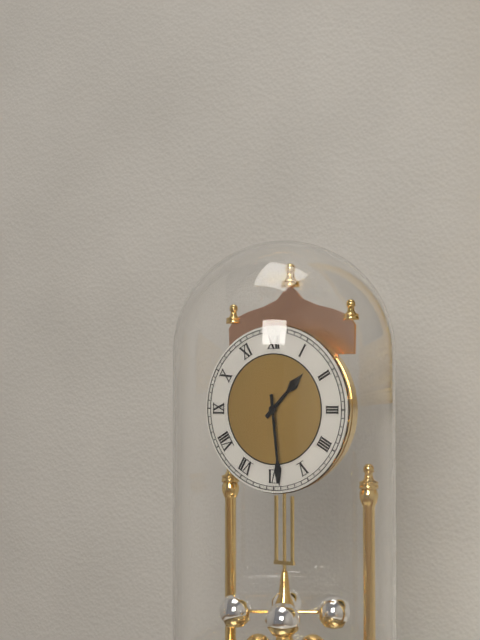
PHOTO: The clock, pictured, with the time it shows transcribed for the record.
1:29
